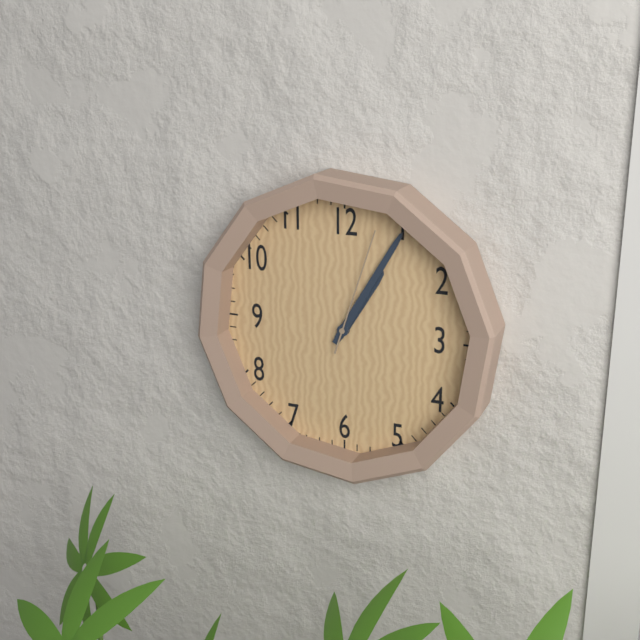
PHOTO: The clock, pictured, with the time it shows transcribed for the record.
1:05:03
